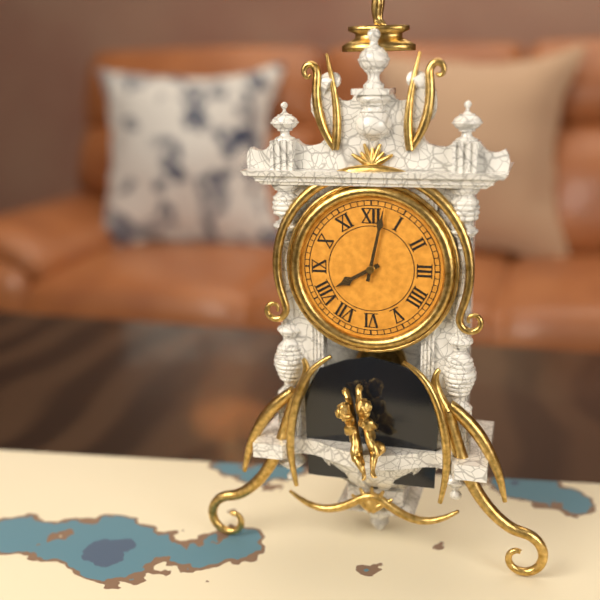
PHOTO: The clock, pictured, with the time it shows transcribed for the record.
8:02
